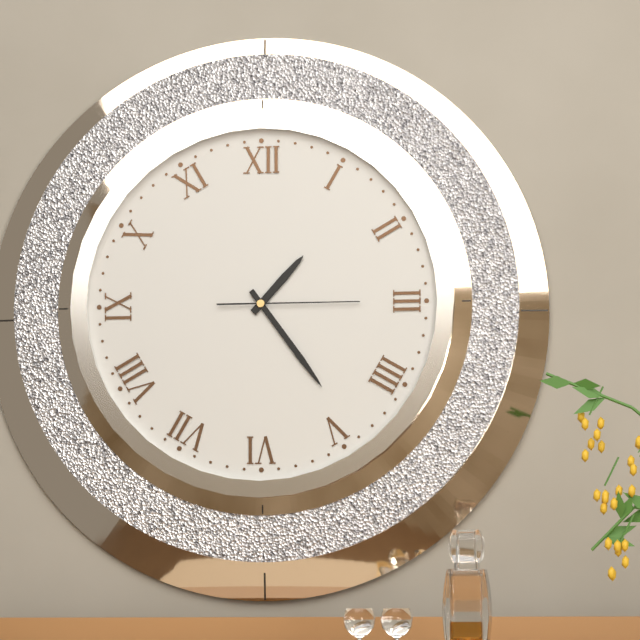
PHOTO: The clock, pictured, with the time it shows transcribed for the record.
1:24:15
